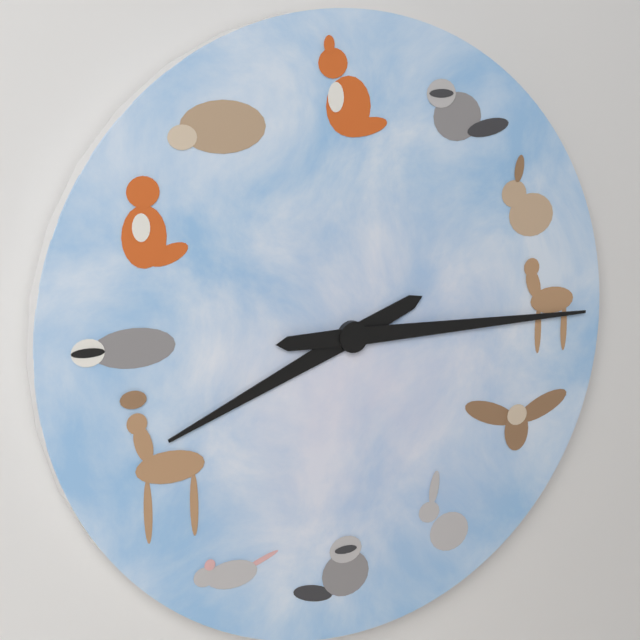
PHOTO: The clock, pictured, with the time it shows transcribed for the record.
8:15
